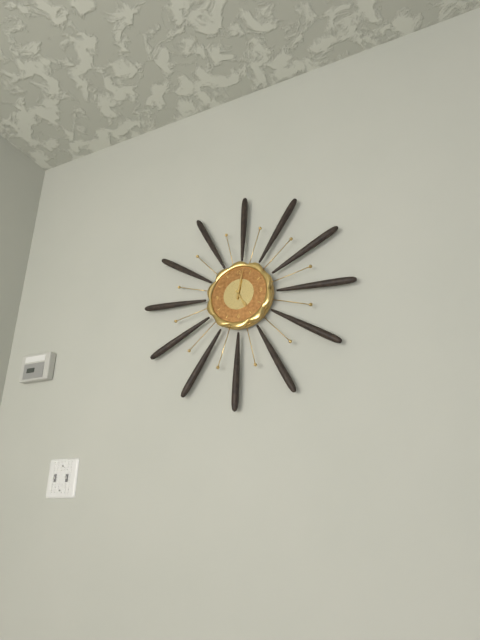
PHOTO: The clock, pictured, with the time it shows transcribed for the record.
5:02
